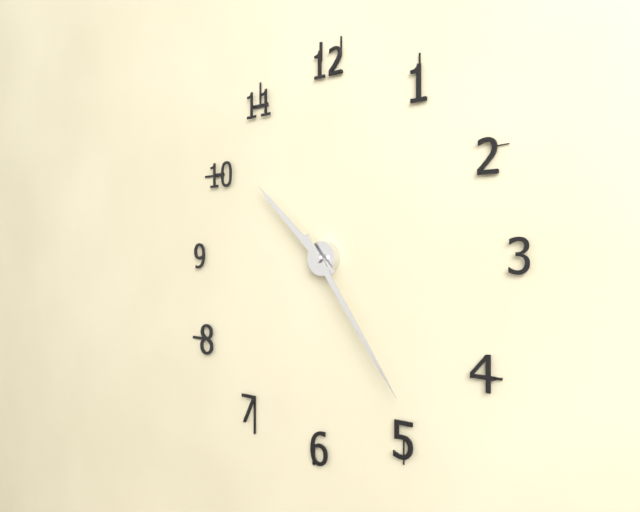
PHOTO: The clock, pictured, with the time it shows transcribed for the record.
10:24
